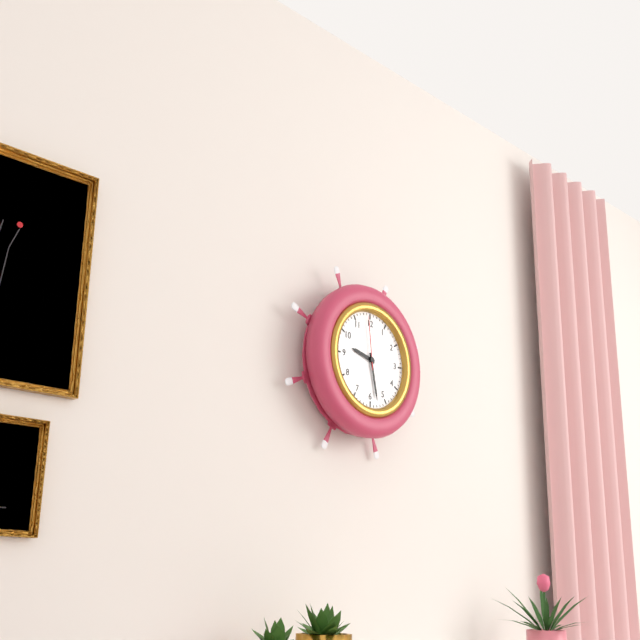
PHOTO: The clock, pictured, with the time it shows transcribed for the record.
9:28:59
